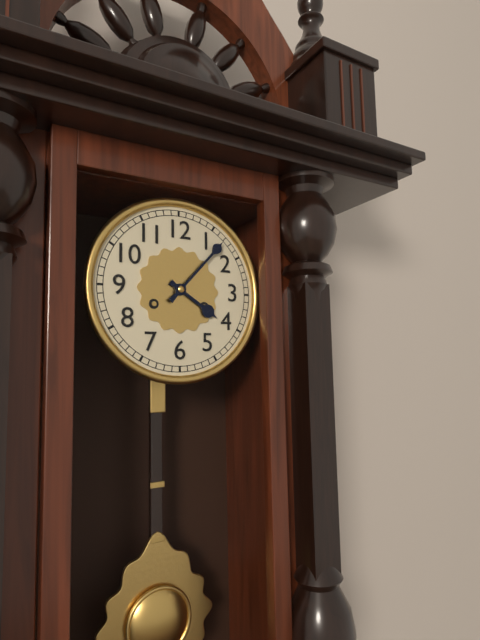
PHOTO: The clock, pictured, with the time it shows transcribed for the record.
4:07
